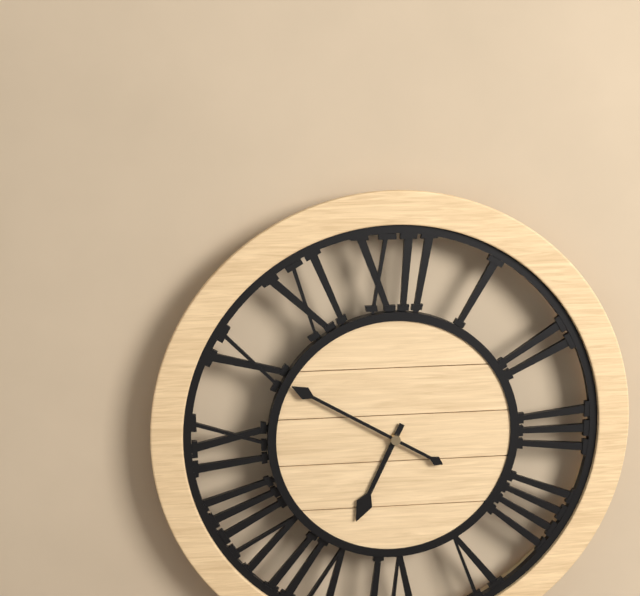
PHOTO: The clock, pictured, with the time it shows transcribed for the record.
6:50
